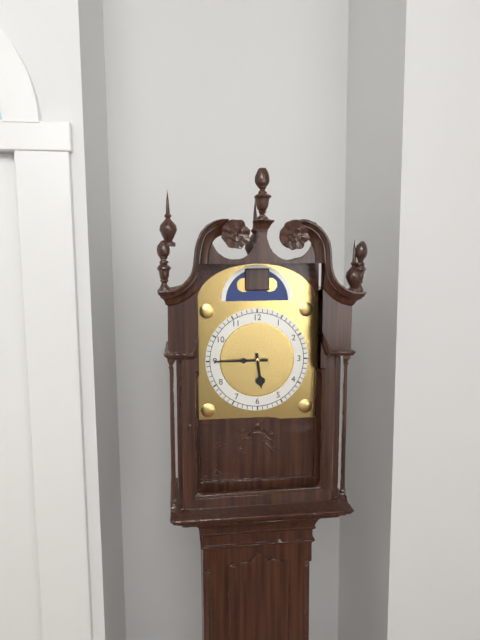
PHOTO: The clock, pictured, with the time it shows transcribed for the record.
5:45
